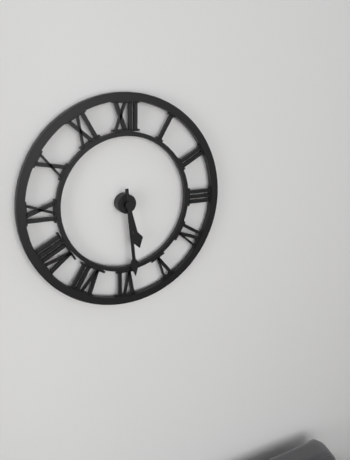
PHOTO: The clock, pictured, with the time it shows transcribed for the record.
5:29
